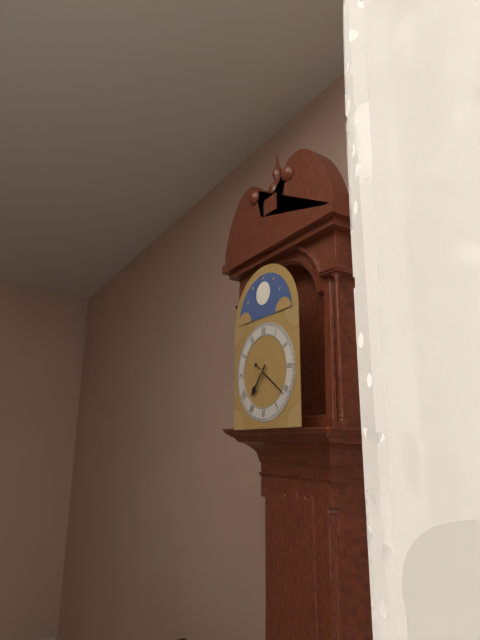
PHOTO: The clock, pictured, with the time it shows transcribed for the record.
7:21
